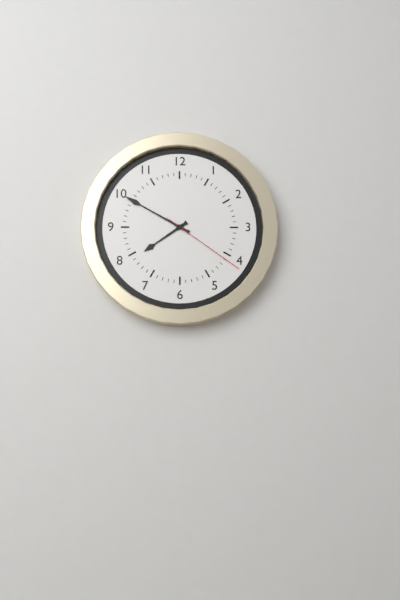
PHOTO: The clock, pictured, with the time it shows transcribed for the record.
7:50:21
